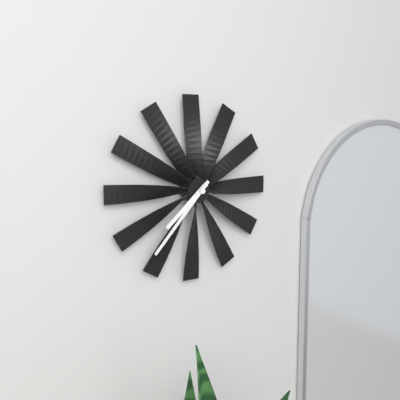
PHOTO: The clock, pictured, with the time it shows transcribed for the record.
7:37
